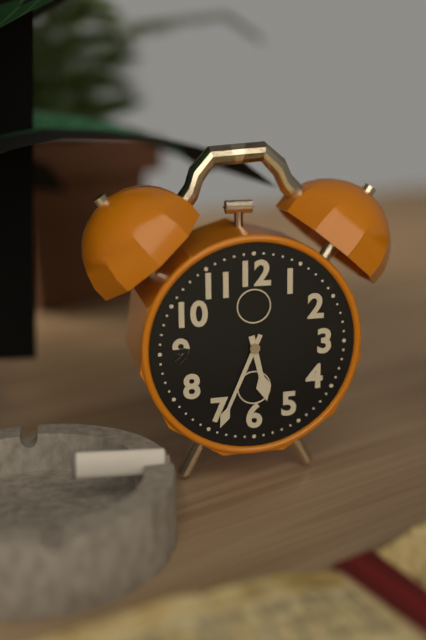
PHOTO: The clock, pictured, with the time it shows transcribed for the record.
5:34
